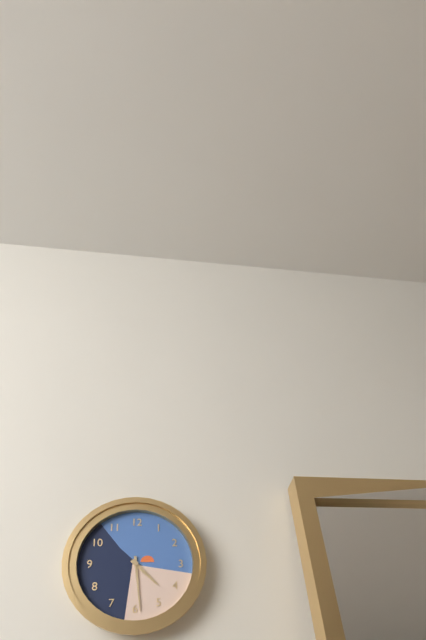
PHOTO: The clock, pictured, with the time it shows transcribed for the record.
4:29
